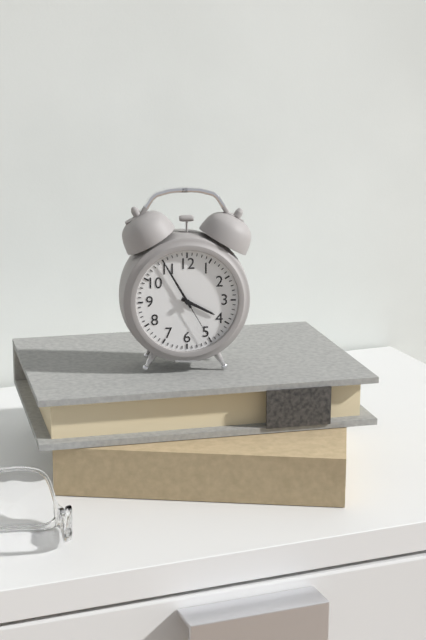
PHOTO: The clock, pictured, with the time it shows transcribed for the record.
3:55:25
